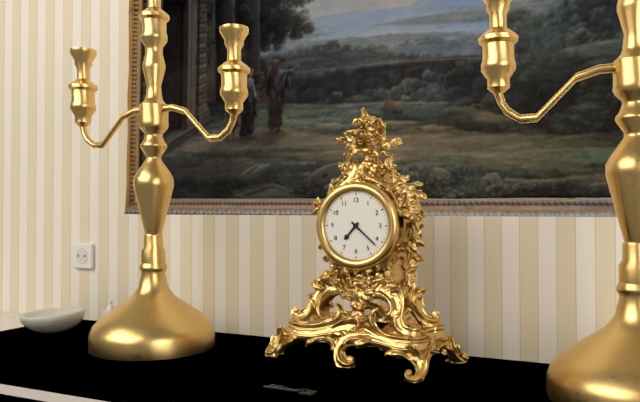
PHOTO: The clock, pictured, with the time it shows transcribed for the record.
7:22
